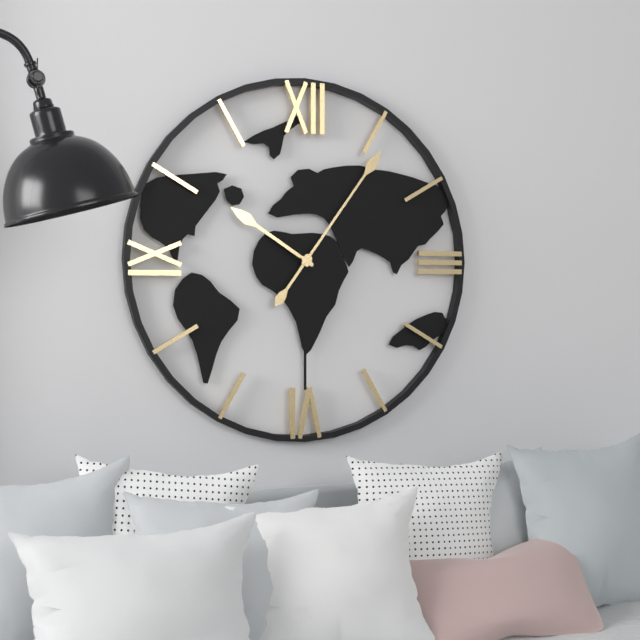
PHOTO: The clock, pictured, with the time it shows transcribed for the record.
10:06
